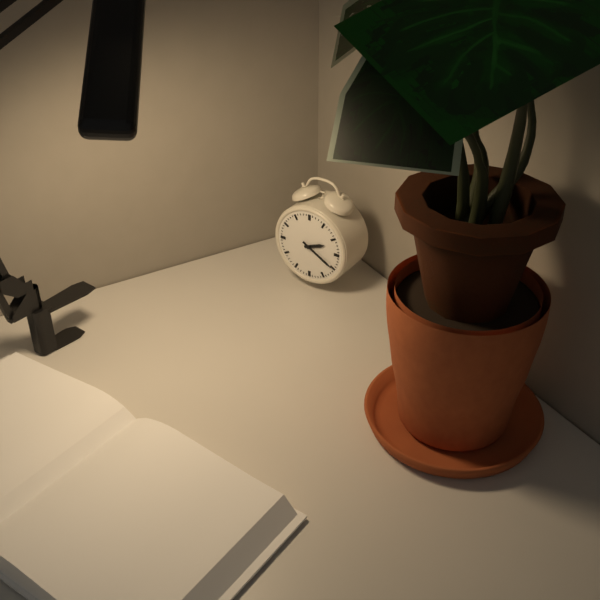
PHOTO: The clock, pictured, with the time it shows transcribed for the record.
2:20
